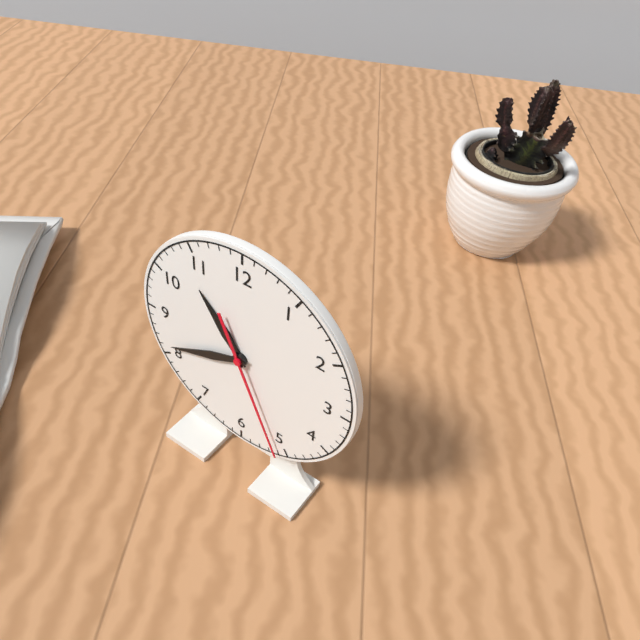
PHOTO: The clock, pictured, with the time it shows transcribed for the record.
10:41:26
